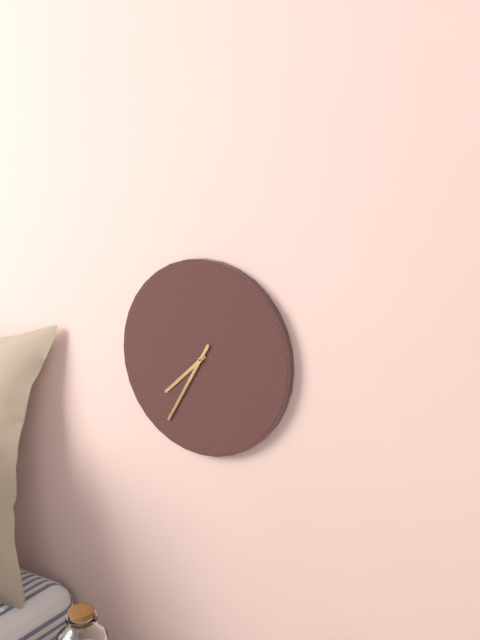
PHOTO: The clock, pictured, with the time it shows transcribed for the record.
7:35
